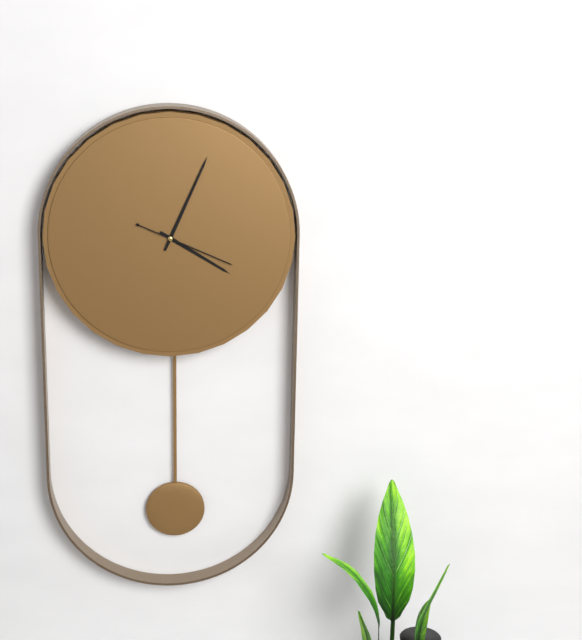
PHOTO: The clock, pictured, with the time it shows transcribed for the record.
4:04:19
